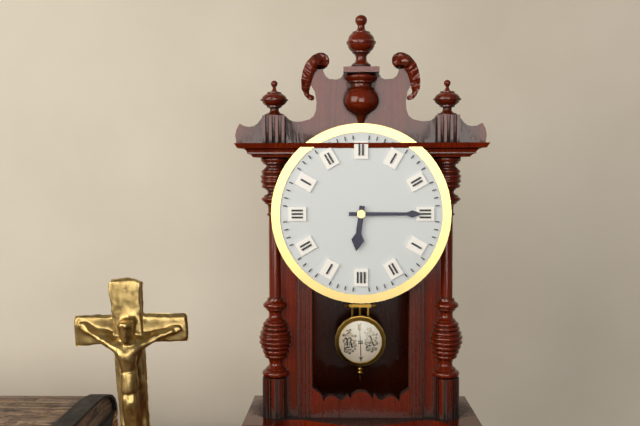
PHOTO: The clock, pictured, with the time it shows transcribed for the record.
6:15
